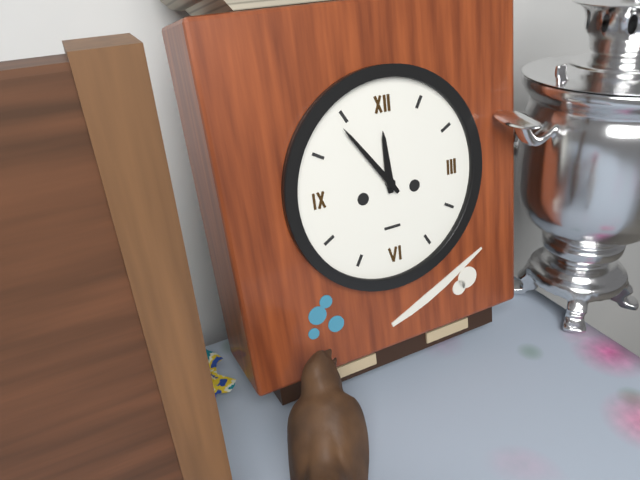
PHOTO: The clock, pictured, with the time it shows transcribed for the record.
11:54
